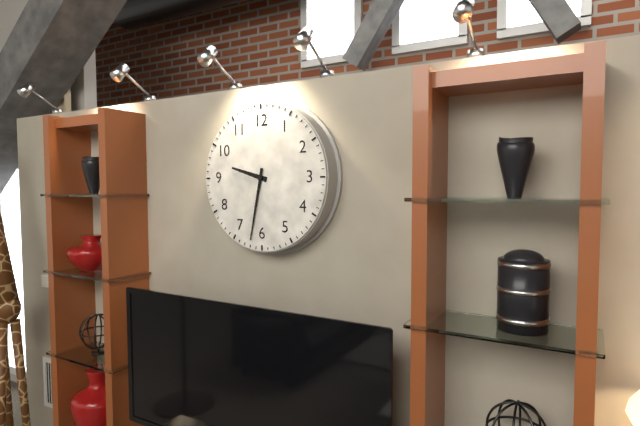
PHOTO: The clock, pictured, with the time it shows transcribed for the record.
9:32
